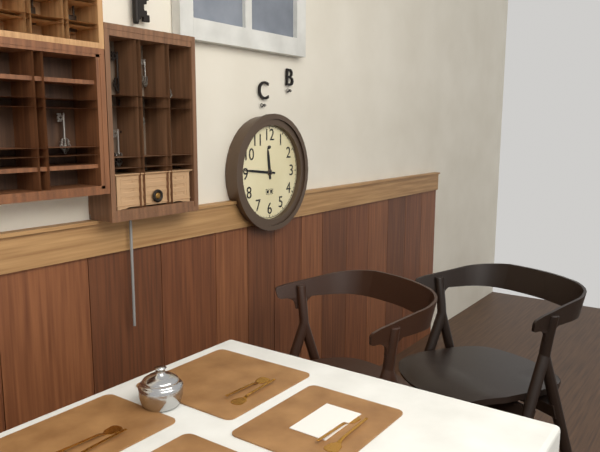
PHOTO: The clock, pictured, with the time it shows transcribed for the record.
11:46
